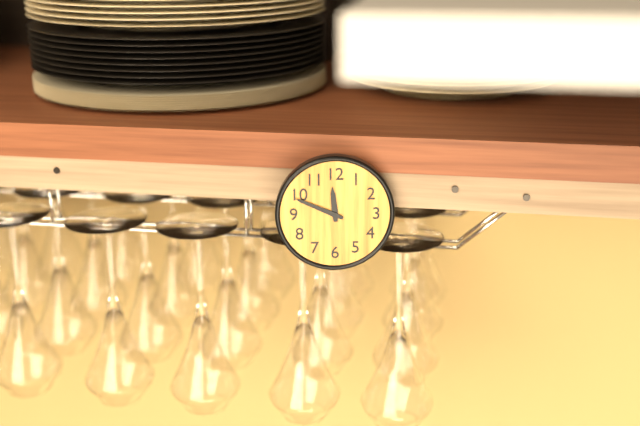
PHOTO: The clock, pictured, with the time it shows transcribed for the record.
11:49
